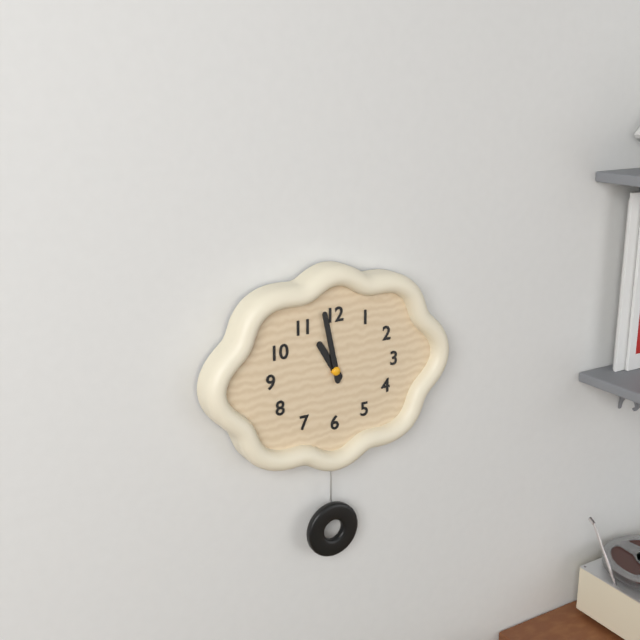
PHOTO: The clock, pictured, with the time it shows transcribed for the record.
10:58
